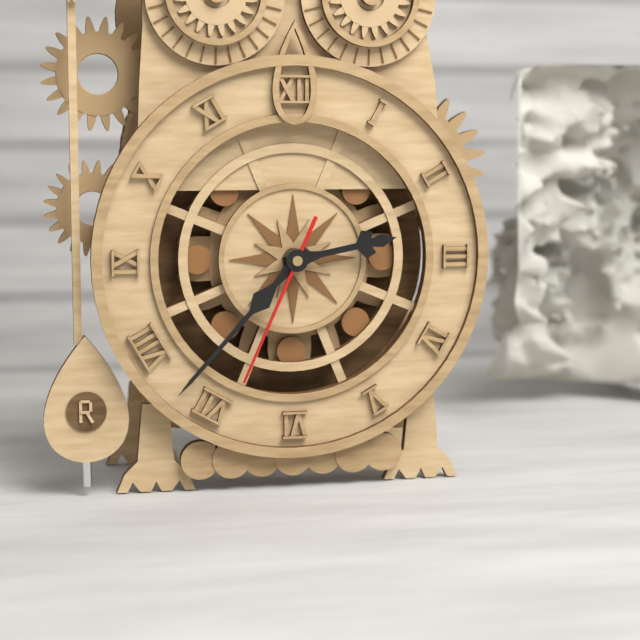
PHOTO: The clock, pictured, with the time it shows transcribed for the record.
2:37:34
